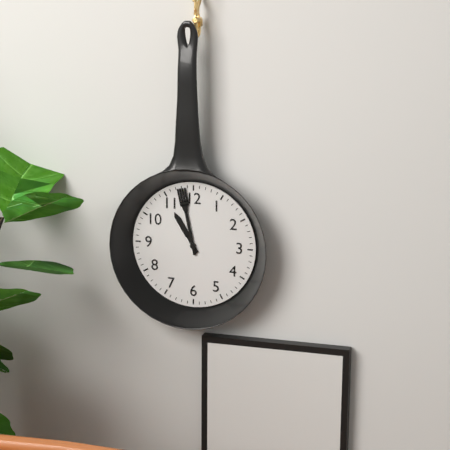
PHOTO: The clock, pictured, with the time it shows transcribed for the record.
10:58
